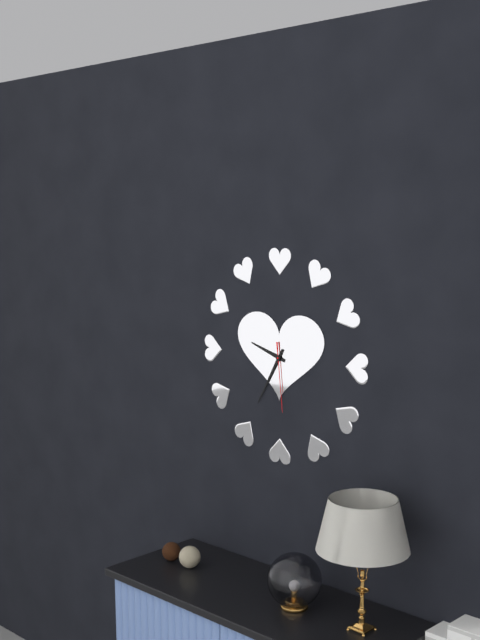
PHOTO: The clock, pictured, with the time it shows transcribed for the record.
9:35:29
